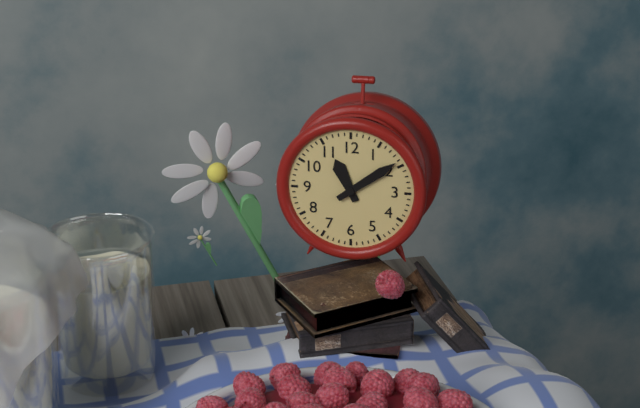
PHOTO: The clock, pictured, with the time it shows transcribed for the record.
11:09
